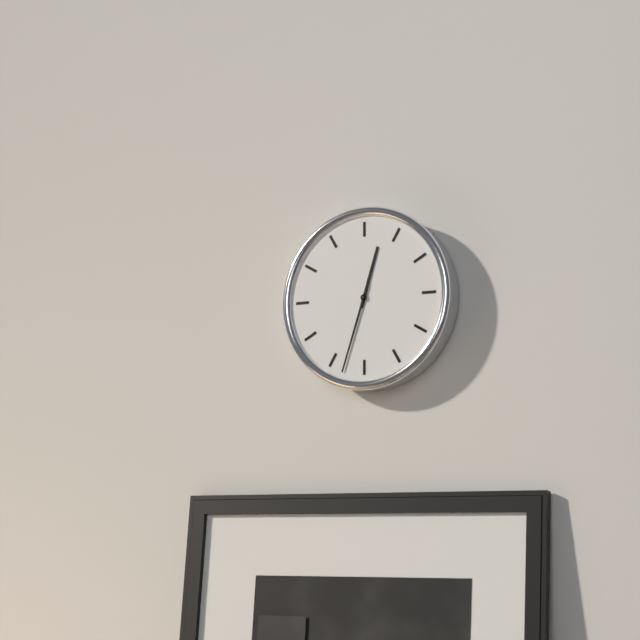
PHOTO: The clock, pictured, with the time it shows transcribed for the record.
12:33
